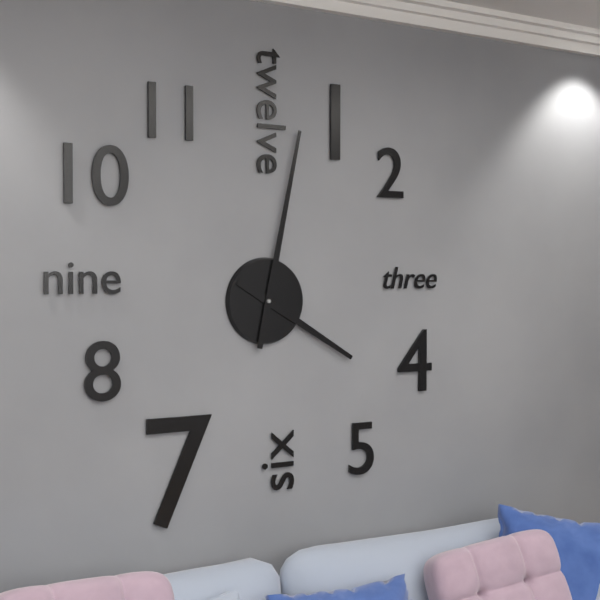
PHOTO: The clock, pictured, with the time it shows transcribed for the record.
4:02
